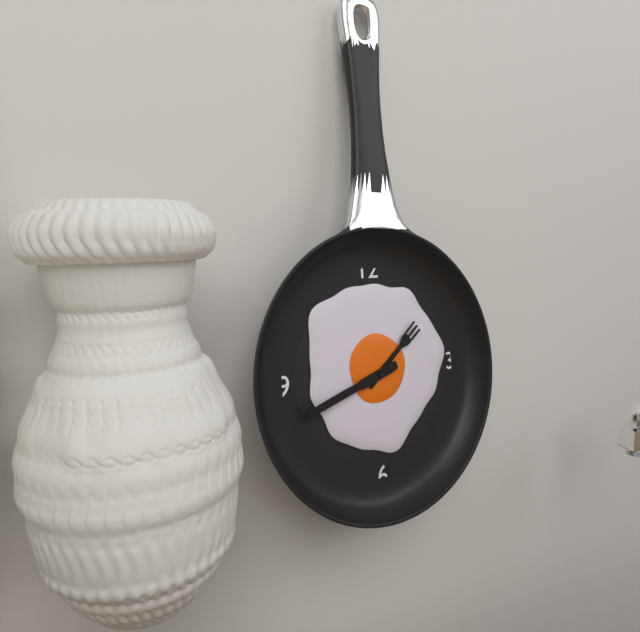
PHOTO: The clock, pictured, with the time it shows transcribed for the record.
1:42
